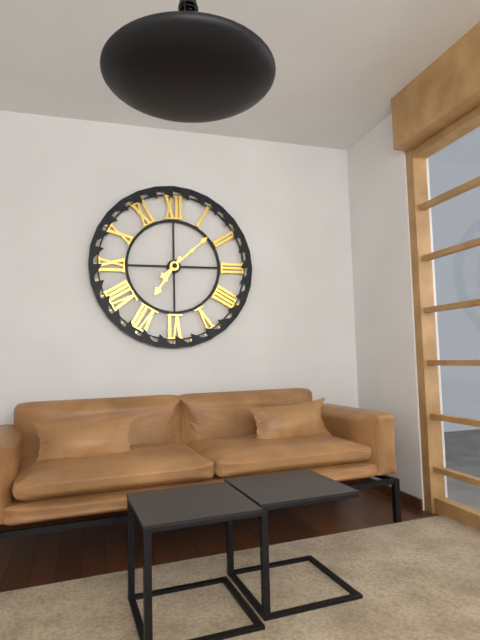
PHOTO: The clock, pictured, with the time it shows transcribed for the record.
7:08
